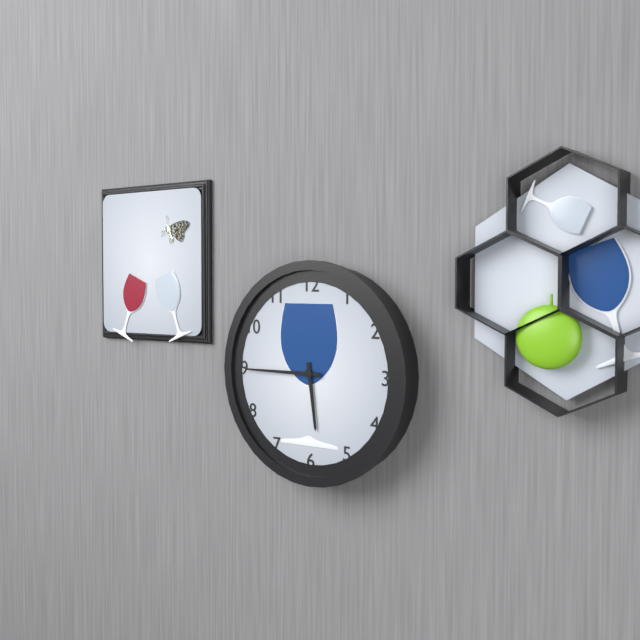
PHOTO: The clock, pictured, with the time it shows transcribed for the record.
5:45
